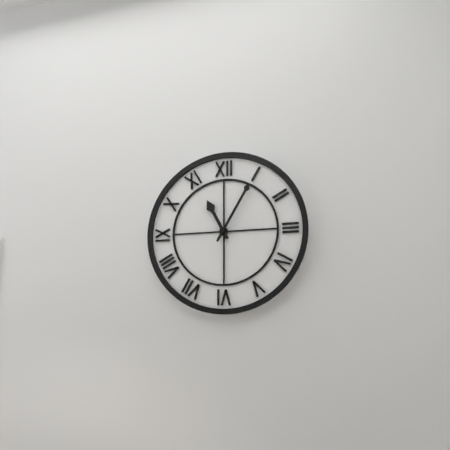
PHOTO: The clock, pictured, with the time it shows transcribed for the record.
11:05
